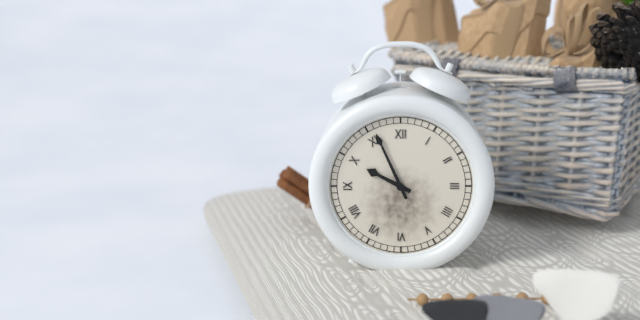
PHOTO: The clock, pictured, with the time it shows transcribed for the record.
9:56
